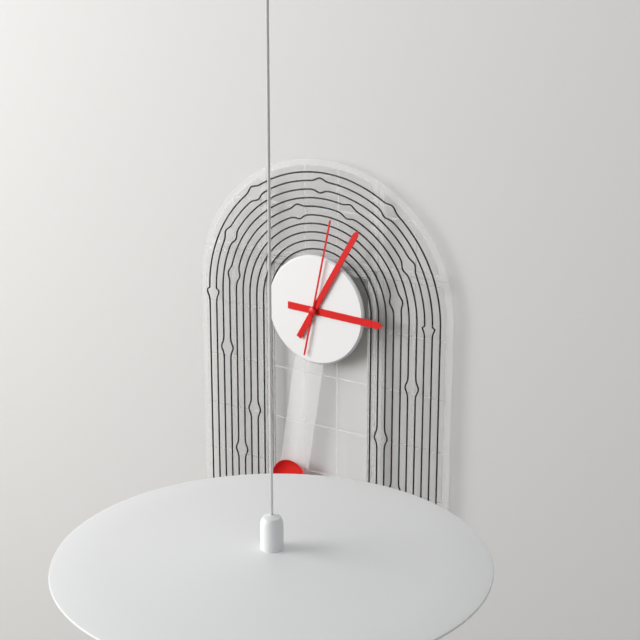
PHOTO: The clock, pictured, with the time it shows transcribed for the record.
3:05:02
